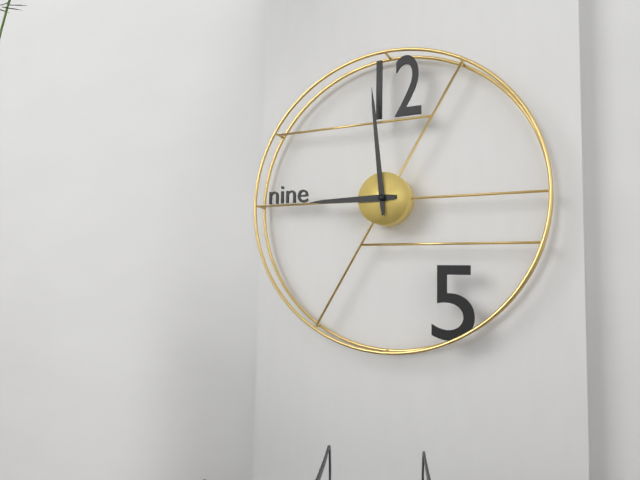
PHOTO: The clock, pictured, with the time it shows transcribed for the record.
8:59
